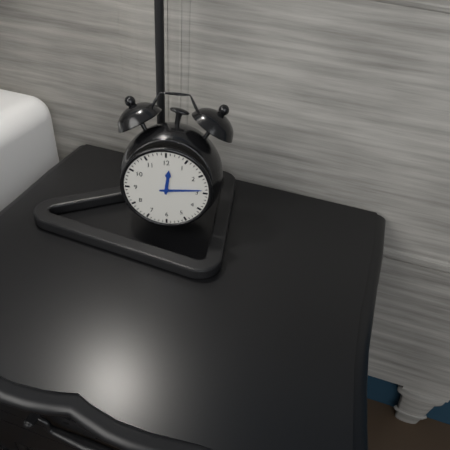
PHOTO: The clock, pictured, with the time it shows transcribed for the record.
12:14
